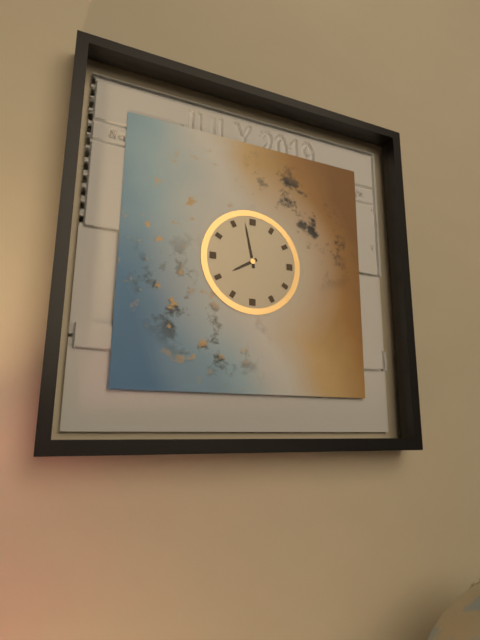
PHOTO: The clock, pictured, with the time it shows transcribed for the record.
7:58
